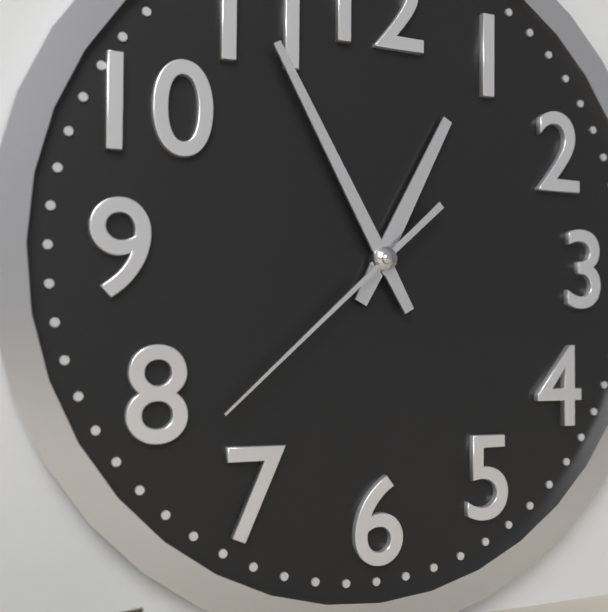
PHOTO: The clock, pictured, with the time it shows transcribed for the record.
12:55:38
